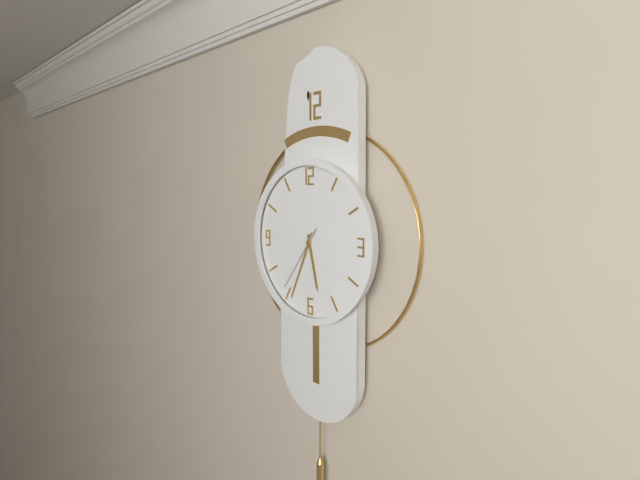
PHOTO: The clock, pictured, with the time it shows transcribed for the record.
5:34:36
